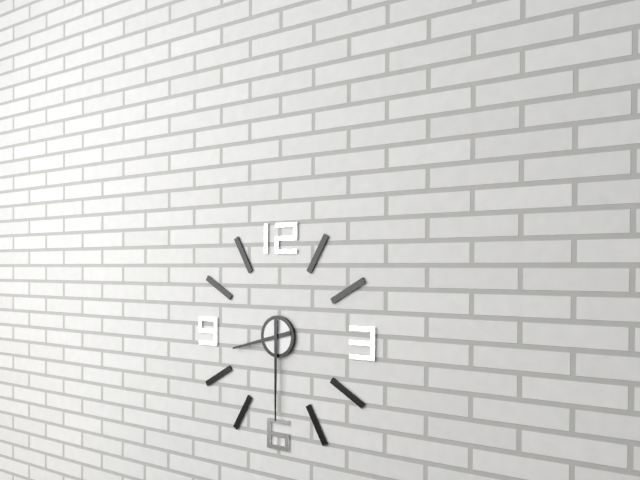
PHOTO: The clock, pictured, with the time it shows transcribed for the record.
8:30
